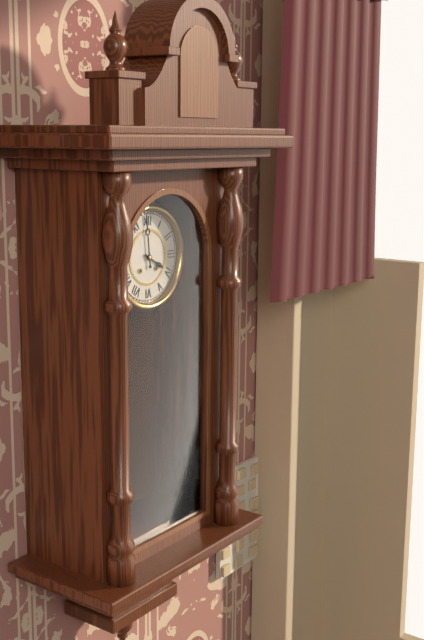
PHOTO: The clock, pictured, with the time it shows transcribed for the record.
3:59
